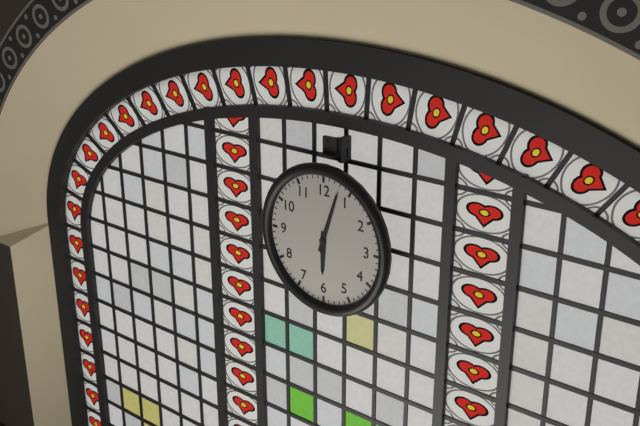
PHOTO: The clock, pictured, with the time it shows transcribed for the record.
6:03
